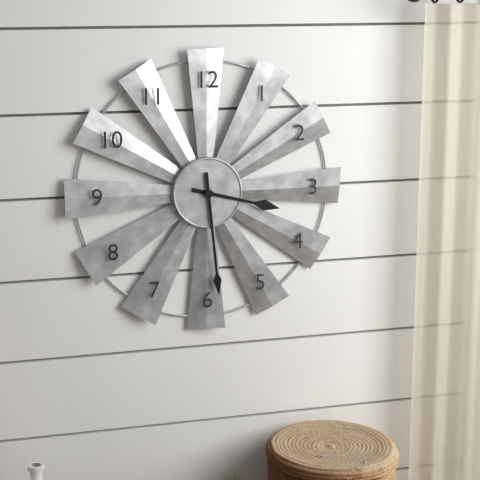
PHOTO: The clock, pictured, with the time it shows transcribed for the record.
3:29
